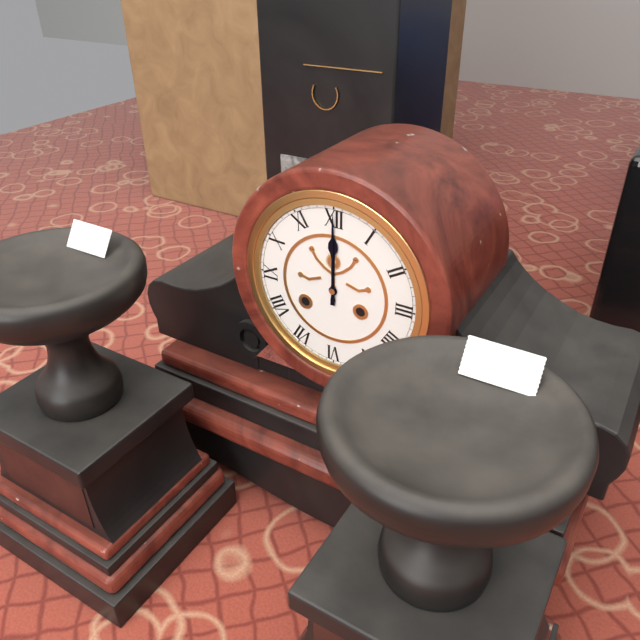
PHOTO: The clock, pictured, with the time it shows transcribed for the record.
12:00
